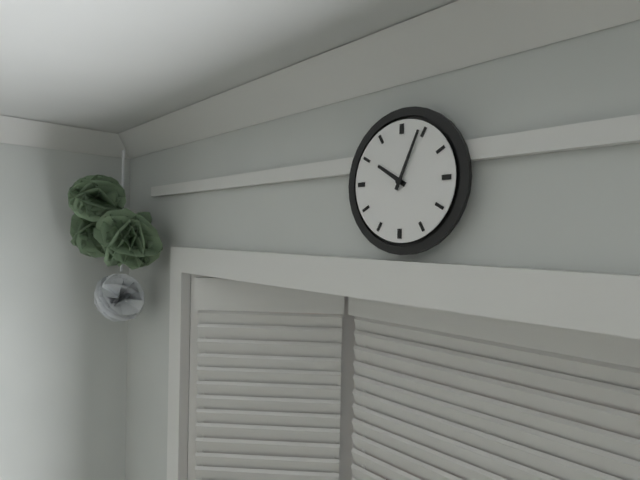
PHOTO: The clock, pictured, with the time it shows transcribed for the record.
10:04
